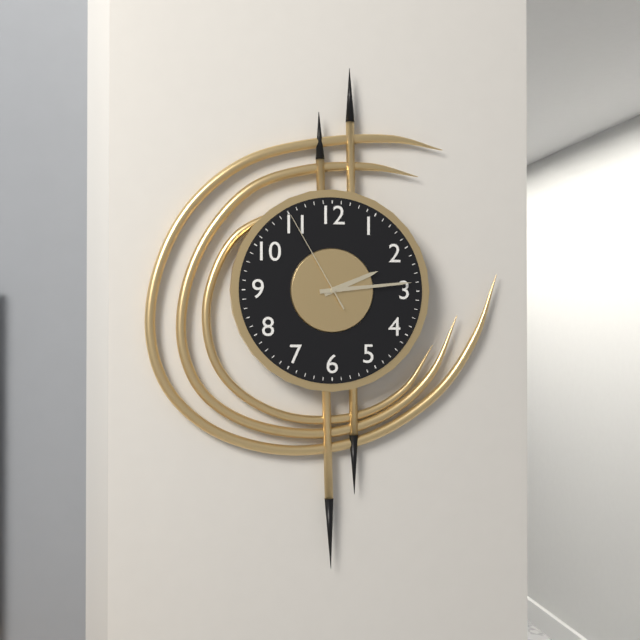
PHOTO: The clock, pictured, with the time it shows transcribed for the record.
2:14:55
